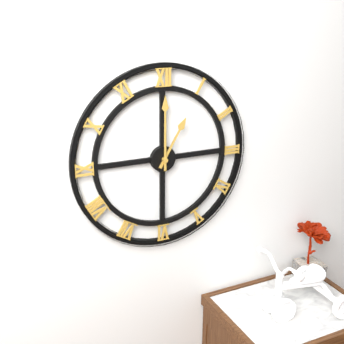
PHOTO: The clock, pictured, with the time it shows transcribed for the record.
1:00
